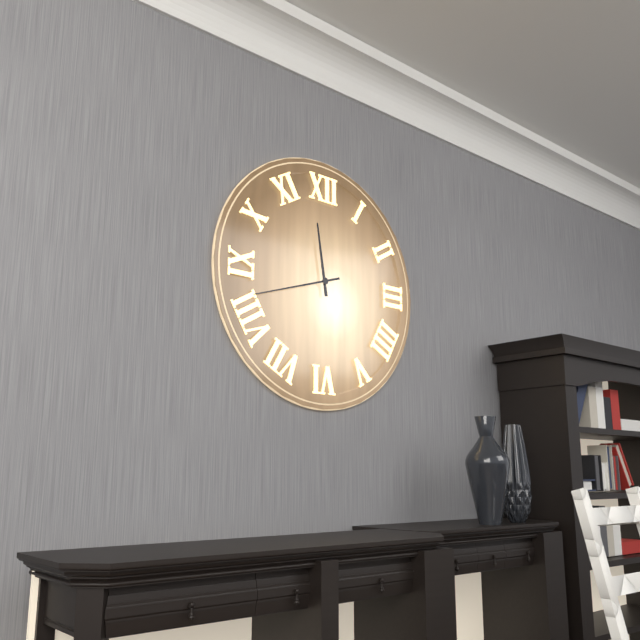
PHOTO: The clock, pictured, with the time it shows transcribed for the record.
11:42
